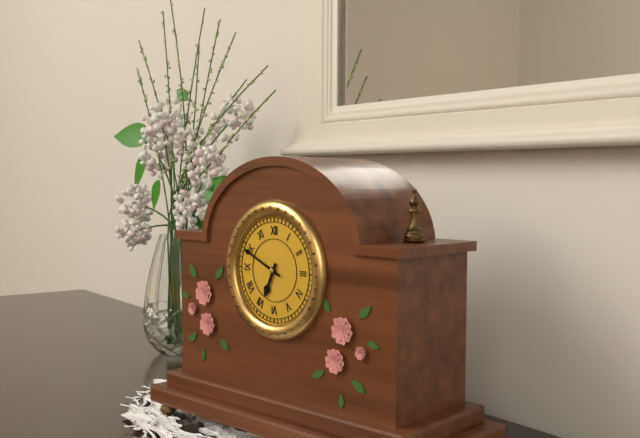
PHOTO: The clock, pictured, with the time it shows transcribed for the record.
6:49
